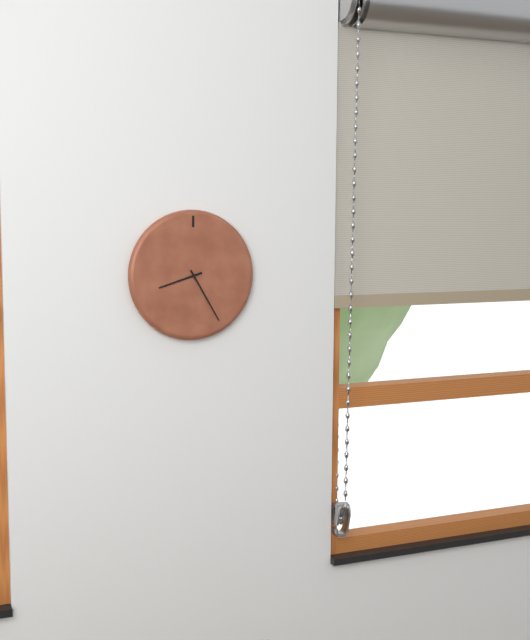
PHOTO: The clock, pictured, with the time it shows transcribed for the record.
8:25
